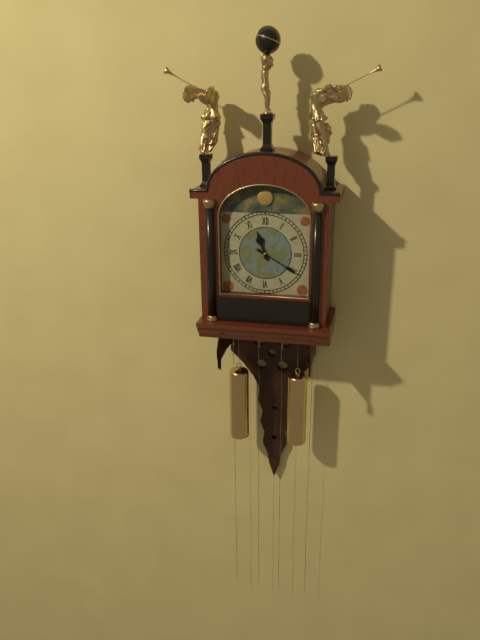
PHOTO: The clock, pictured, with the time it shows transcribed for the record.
11:20
